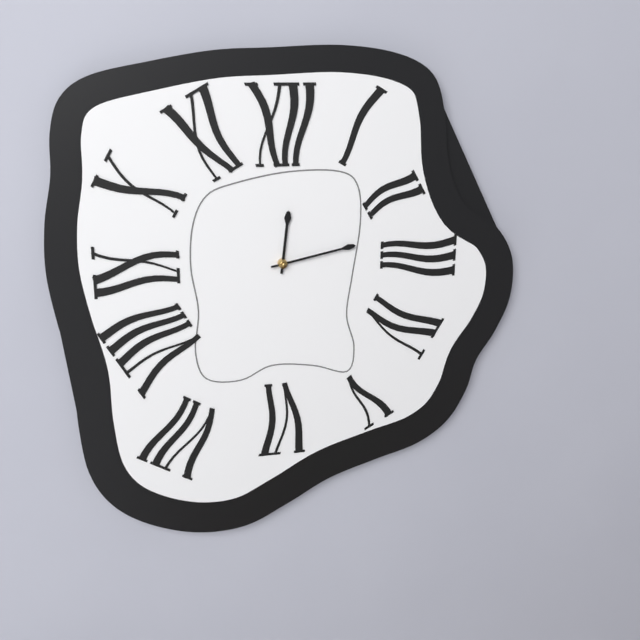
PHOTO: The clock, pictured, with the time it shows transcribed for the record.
12:13
